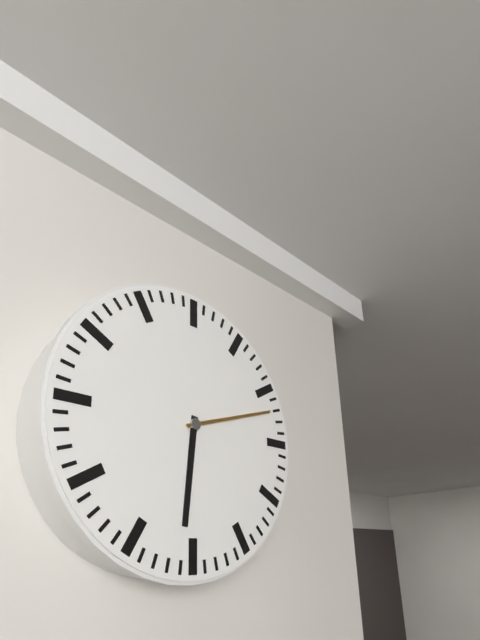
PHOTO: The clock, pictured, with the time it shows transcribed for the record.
6:12
